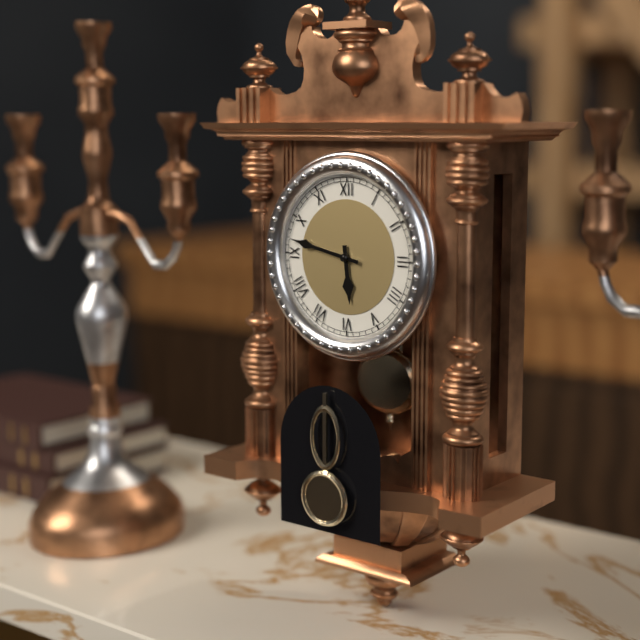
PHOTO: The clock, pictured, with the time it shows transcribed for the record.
5:47
